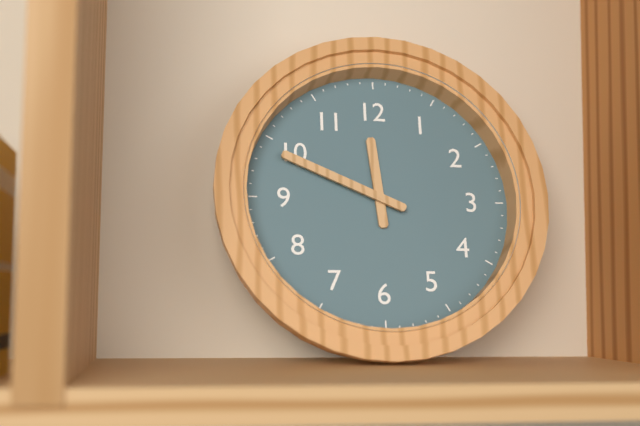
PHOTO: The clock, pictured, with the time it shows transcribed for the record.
11:49
